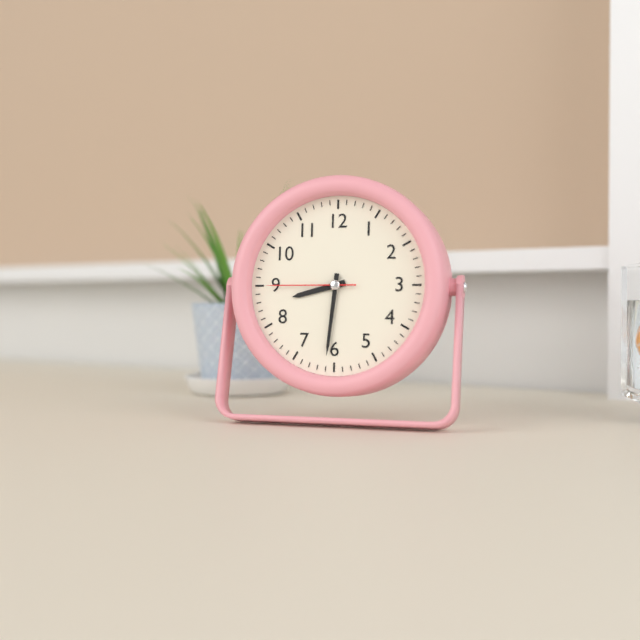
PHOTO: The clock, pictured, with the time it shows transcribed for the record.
8:31:45
